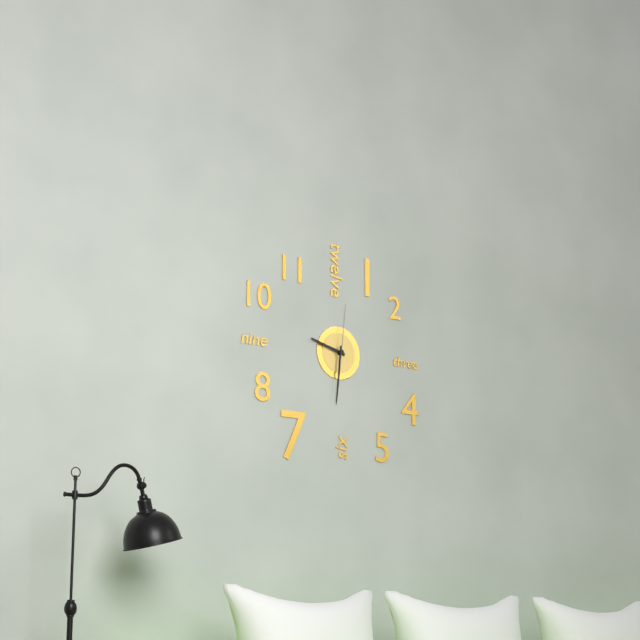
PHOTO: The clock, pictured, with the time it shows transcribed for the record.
9:31:01
